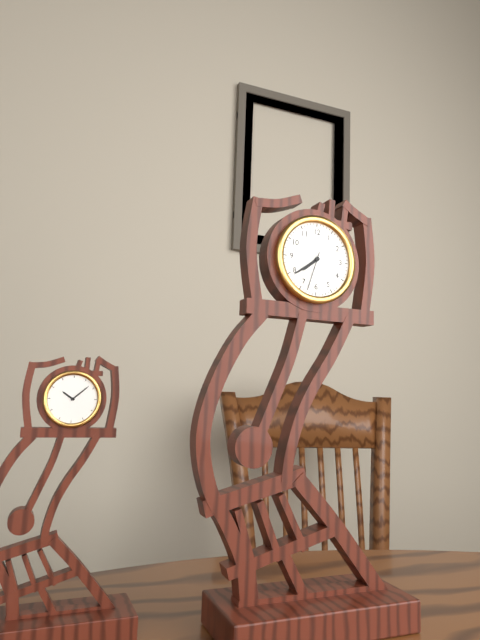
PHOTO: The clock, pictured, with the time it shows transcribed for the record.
7:39
